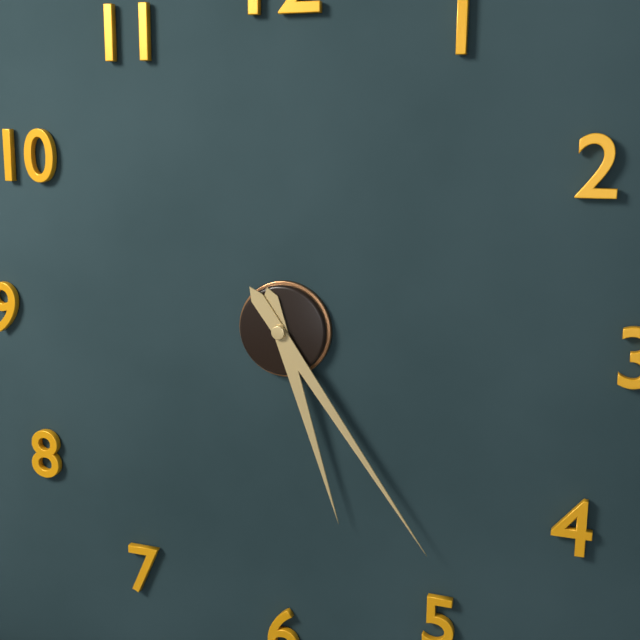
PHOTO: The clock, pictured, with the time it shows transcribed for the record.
5:24
